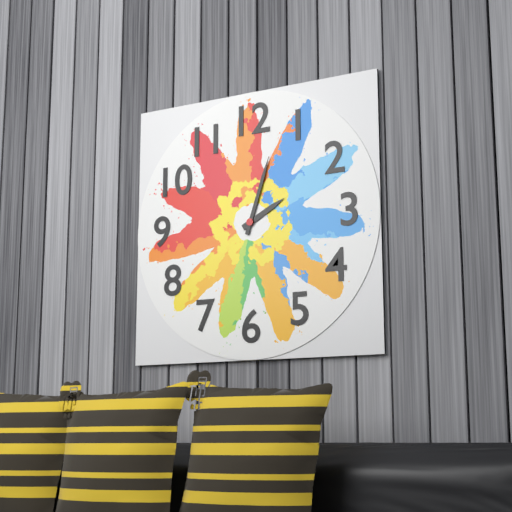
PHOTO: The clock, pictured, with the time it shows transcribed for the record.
2:03
